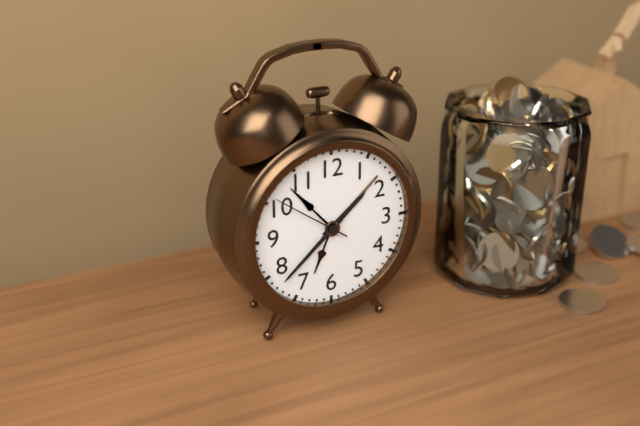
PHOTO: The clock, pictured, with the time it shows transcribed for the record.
1:38:51
